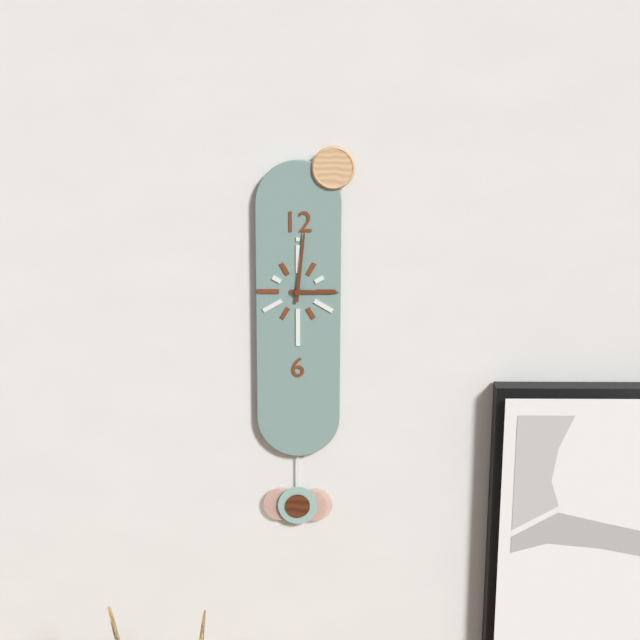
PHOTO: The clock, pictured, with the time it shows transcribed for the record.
3:01
